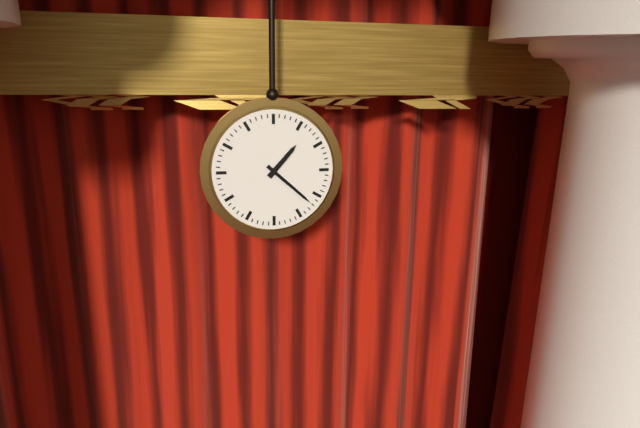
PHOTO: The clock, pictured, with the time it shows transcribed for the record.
1:22
